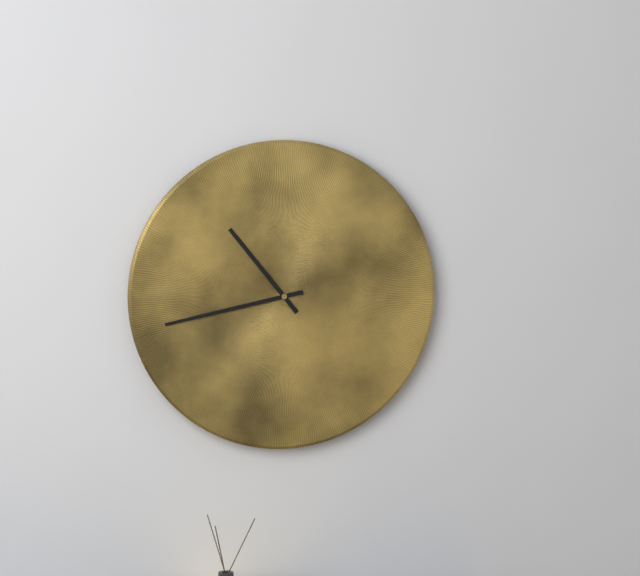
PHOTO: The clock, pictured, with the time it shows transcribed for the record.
10:43
